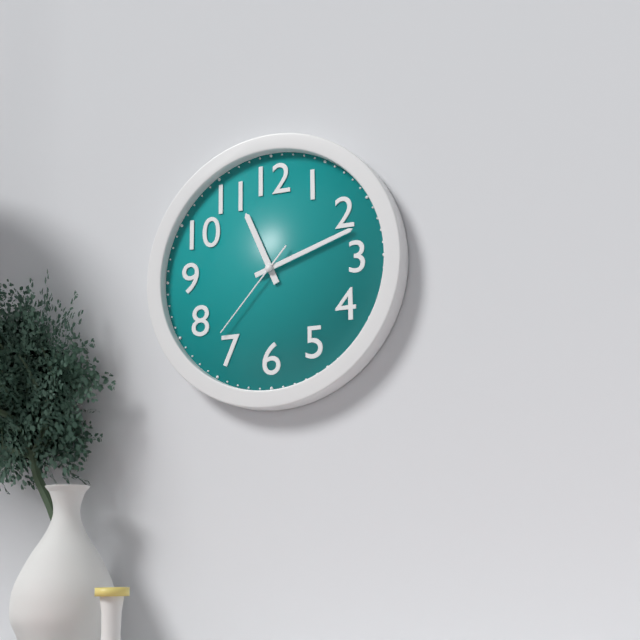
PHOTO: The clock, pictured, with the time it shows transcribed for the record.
11:12:37
